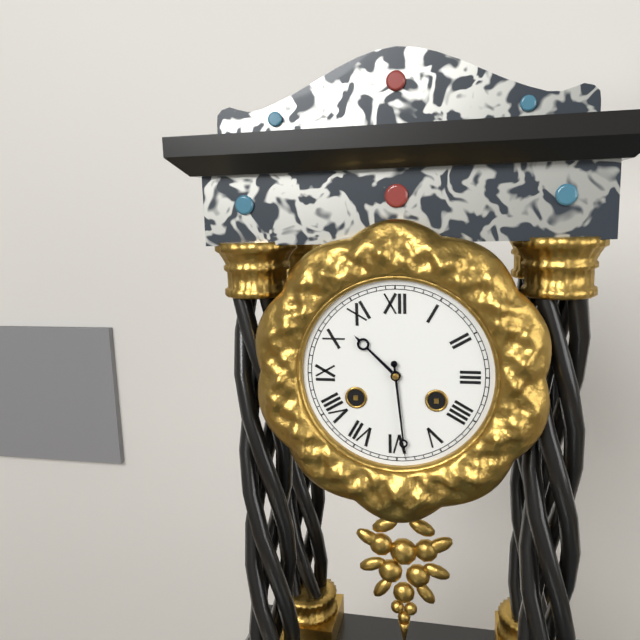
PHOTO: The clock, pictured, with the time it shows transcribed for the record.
10:29
